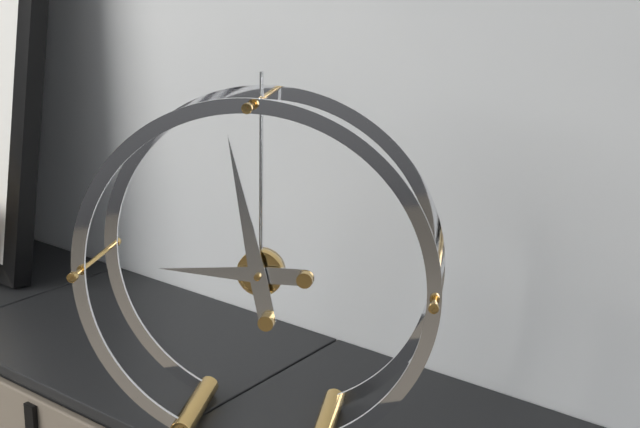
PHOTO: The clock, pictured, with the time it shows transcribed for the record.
8:58
